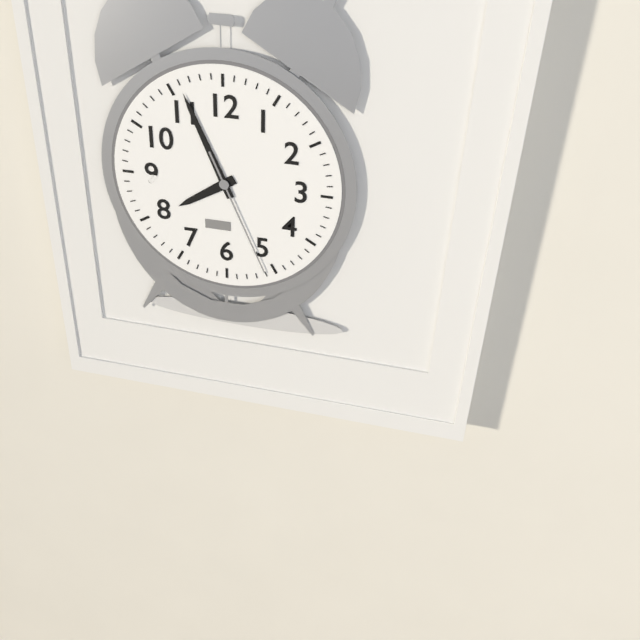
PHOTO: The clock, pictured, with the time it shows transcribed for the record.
7:56:26
